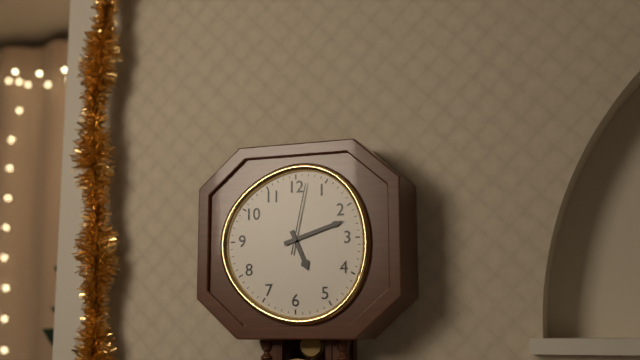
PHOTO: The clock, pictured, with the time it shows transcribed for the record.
5:12:02
